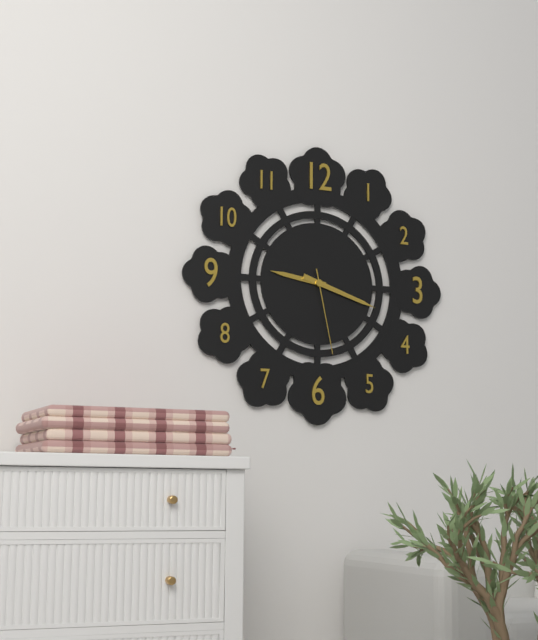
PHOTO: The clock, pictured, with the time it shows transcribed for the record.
9:18:28
